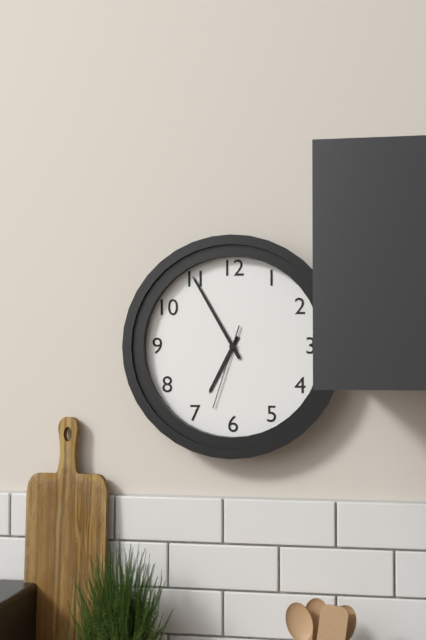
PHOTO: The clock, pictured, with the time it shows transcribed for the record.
6:55:33
